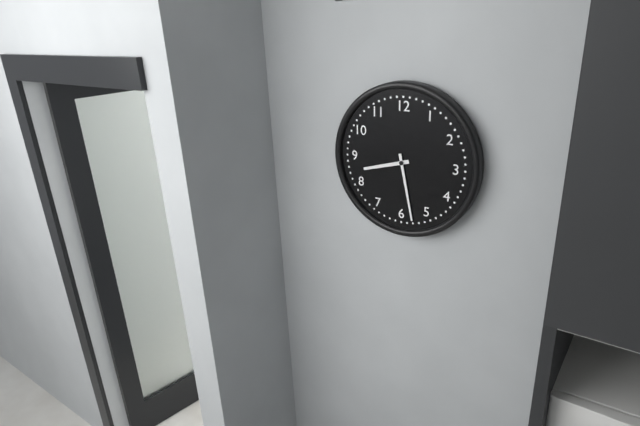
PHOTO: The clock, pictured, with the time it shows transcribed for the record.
8:28
